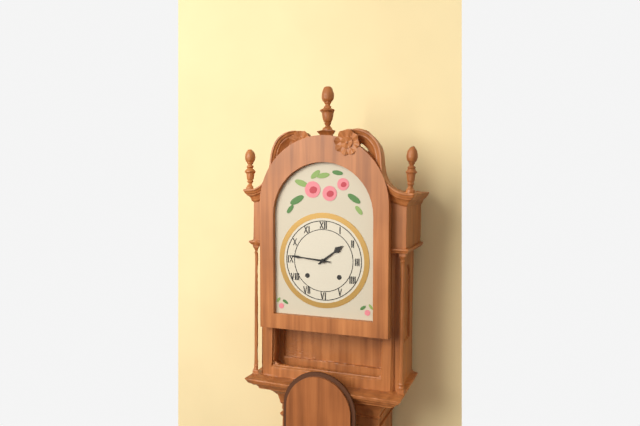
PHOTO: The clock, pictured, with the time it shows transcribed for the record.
1:46
